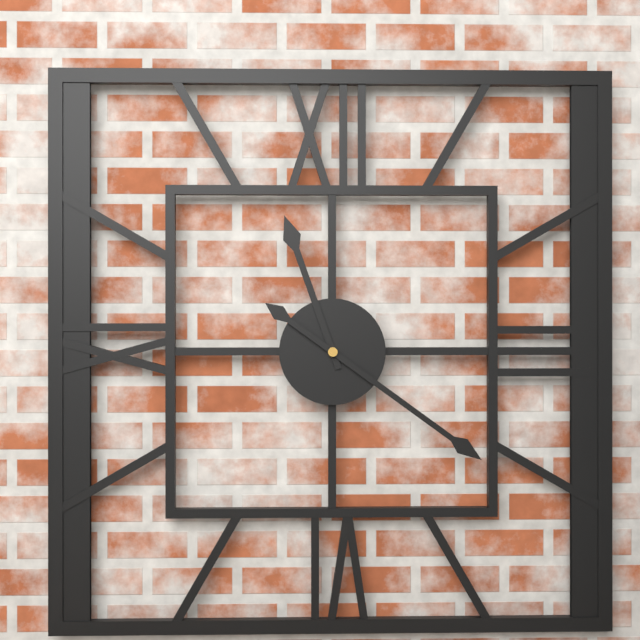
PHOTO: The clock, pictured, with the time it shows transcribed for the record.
11:21
